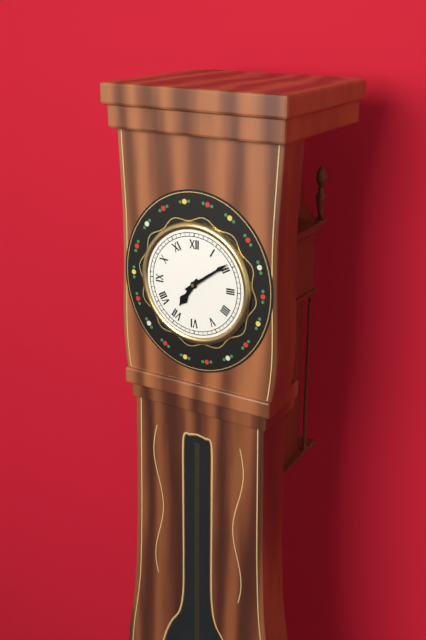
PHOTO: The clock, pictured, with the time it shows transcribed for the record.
7:09
